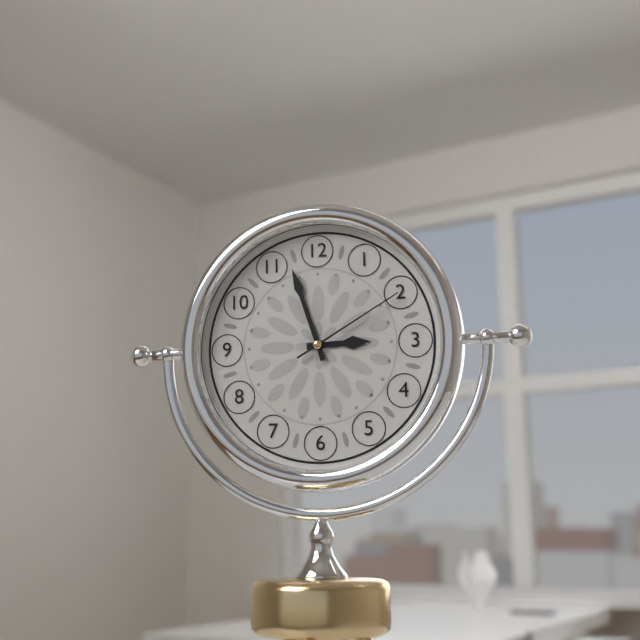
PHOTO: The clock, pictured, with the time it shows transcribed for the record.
2:57:10
